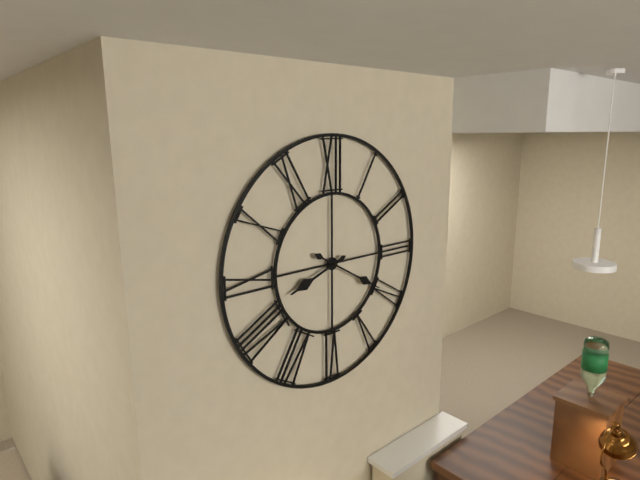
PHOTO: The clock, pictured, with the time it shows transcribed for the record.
8:20
